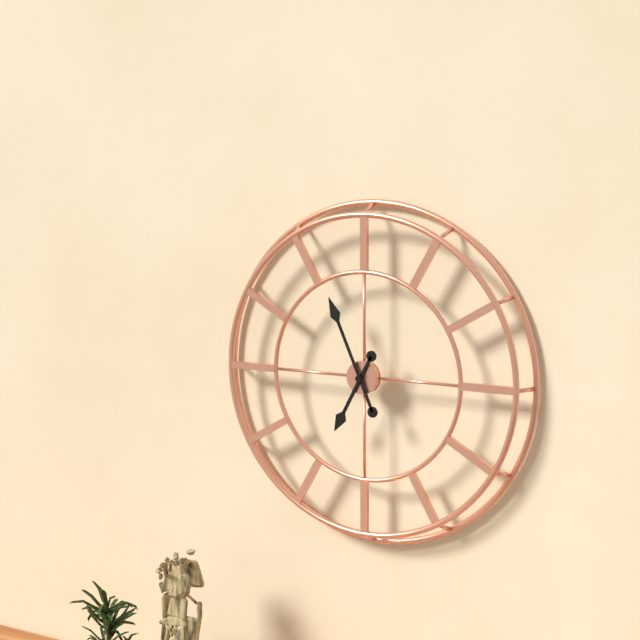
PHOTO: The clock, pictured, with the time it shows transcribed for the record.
6:56
